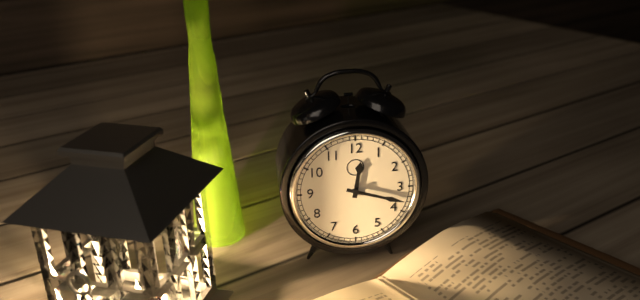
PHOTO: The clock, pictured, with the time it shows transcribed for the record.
12:18
